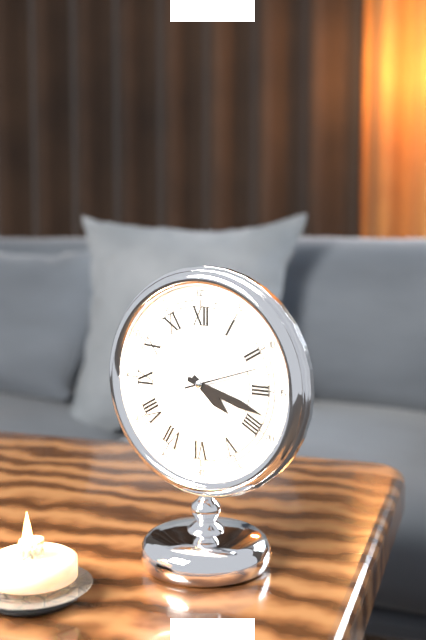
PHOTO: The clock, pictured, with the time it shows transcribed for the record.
4:18:12
